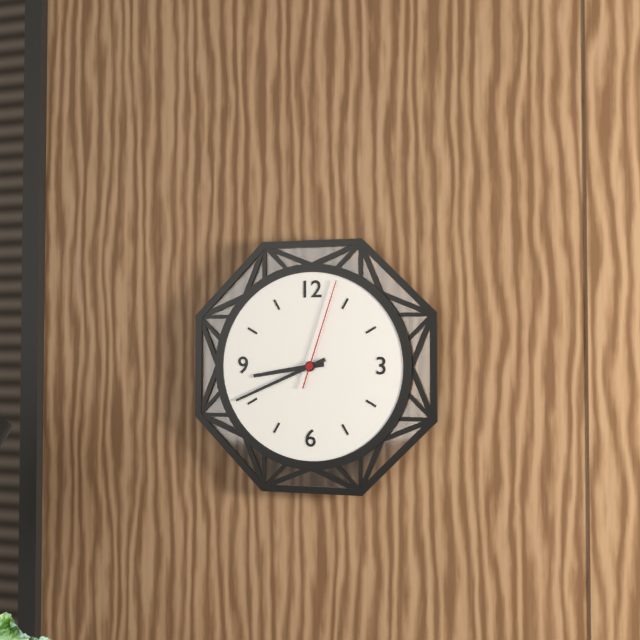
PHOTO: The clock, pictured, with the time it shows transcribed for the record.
8:41:03
